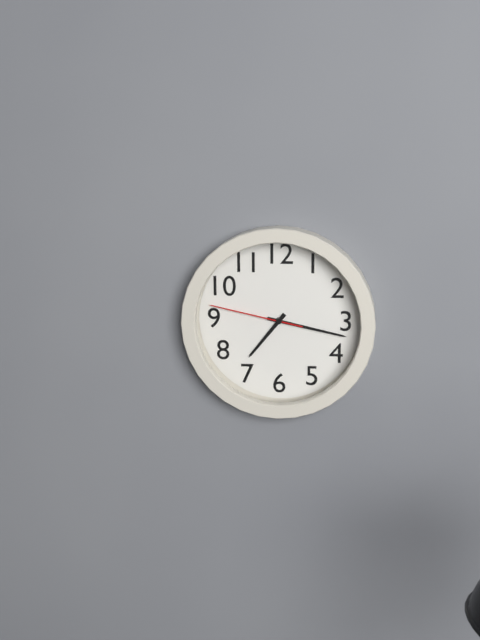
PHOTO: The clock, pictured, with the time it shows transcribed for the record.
7:17:47
